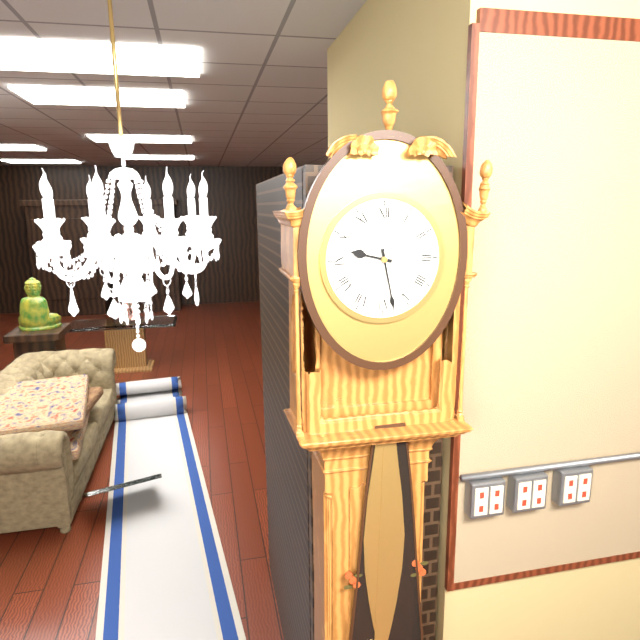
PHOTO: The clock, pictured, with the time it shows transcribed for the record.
9:28
